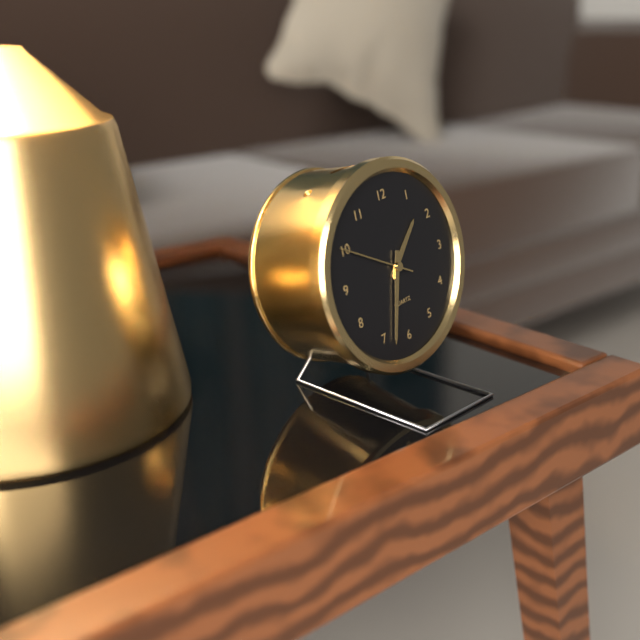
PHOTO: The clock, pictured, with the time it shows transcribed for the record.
1:33:50
